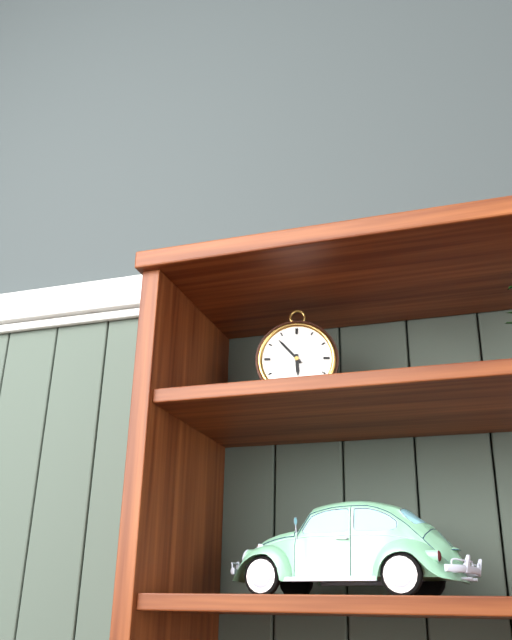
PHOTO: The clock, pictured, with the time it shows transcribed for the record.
5:53
